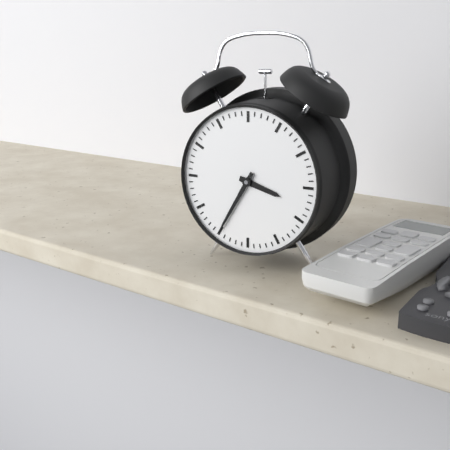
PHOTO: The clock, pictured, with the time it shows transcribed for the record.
3:35
